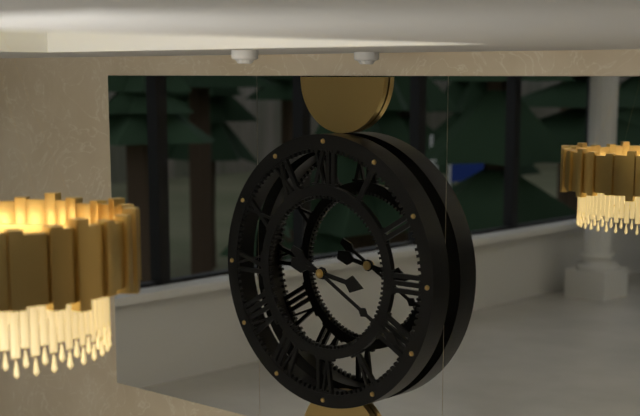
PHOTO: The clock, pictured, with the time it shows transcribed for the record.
3:20
